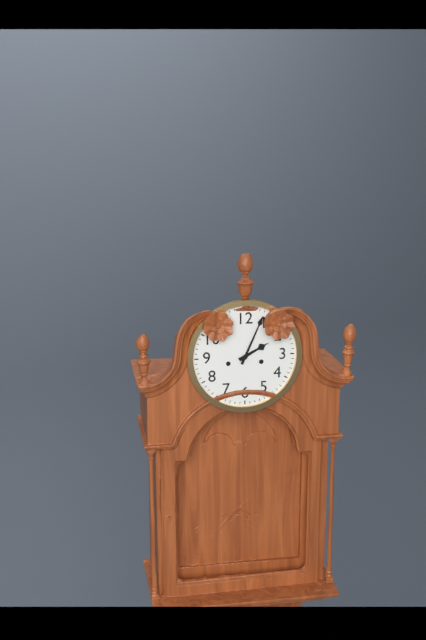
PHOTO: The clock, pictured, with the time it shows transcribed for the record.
2:04
